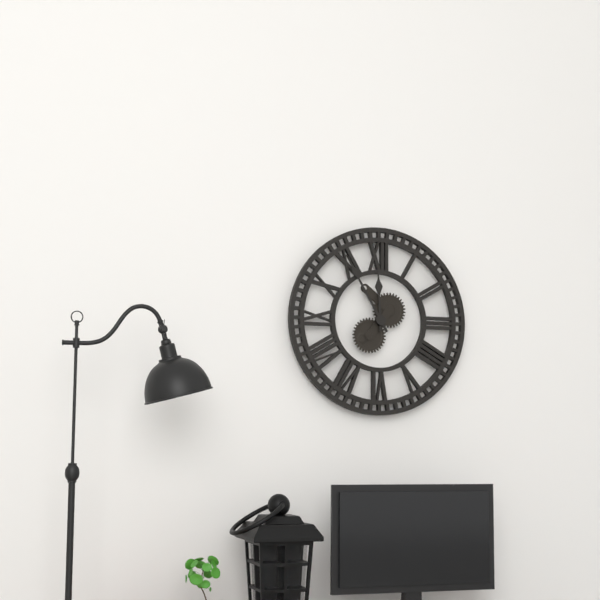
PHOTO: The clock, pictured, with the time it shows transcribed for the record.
11:55
